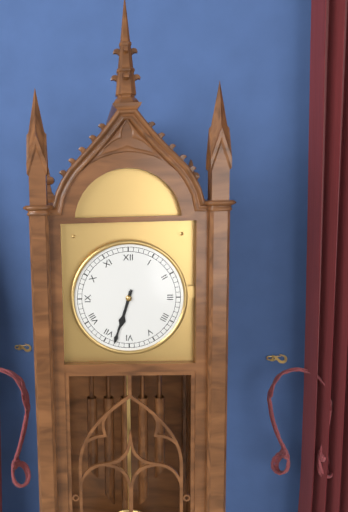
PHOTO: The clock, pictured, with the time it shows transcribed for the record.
6:33
